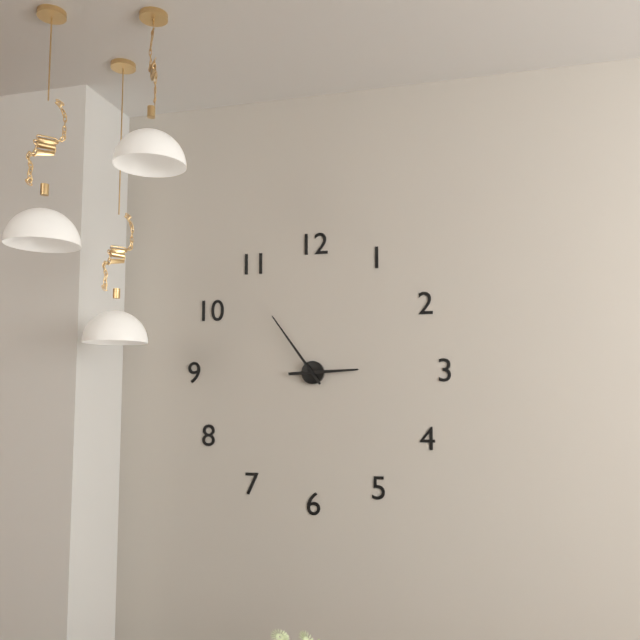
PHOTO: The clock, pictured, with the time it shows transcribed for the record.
2:54
